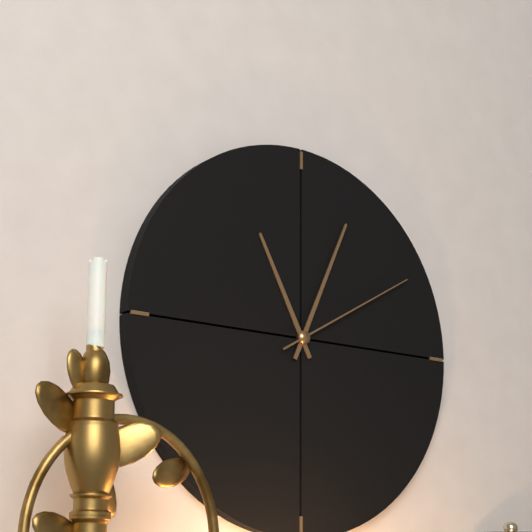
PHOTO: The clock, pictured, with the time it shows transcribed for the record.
11:04:10
